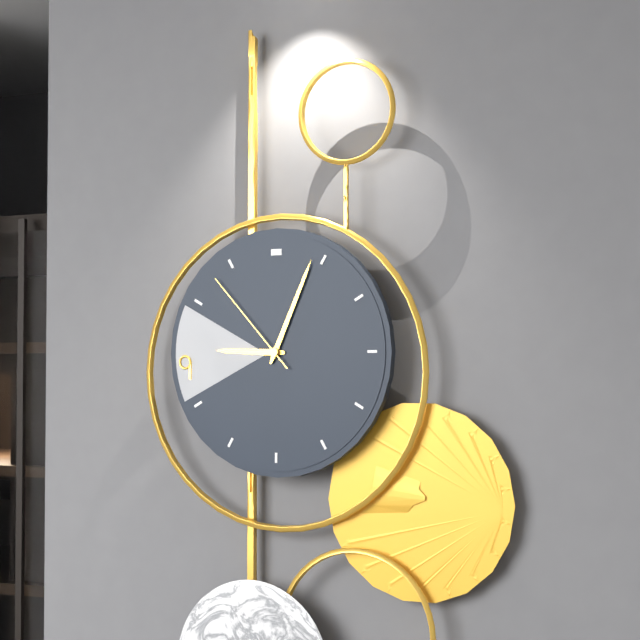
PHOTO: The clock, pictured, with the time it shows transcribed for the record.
9:04:53
